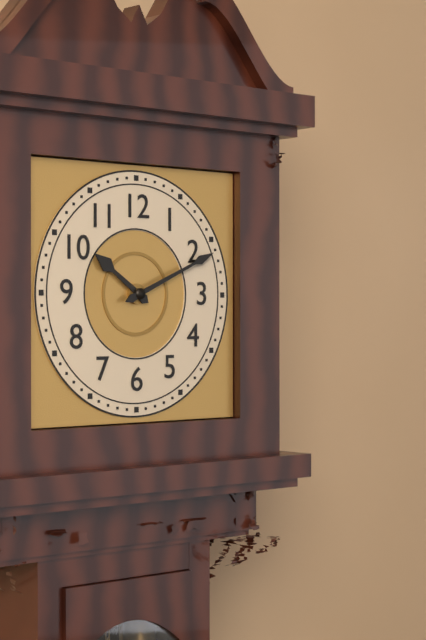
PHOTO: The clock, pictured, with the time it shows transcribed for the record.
10:11
